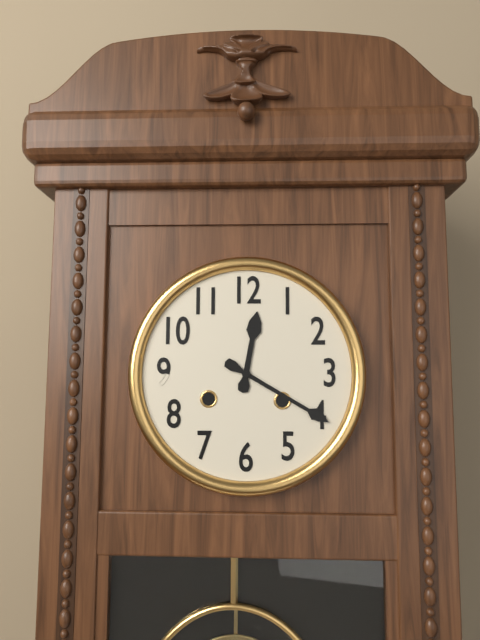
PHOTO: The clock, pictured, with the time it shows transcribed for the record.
12:20
